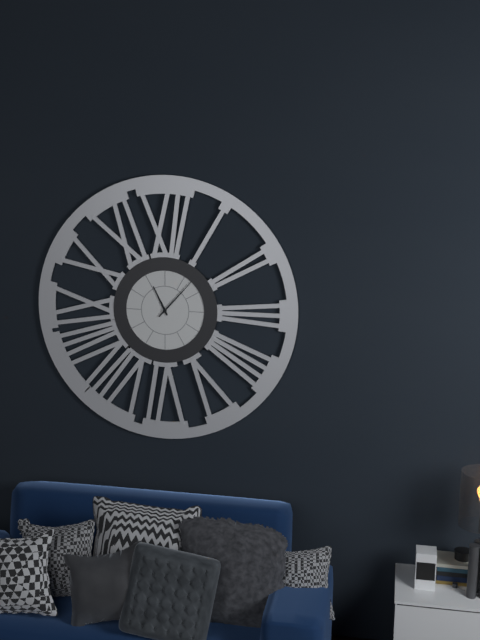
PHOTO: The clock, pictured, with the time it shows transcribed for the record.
11:07
